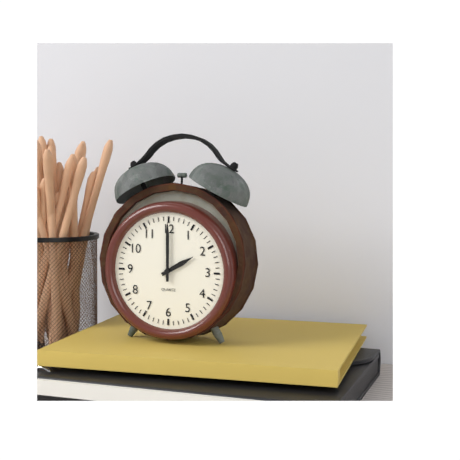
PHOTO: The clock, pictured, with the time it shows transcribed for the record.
2:00
